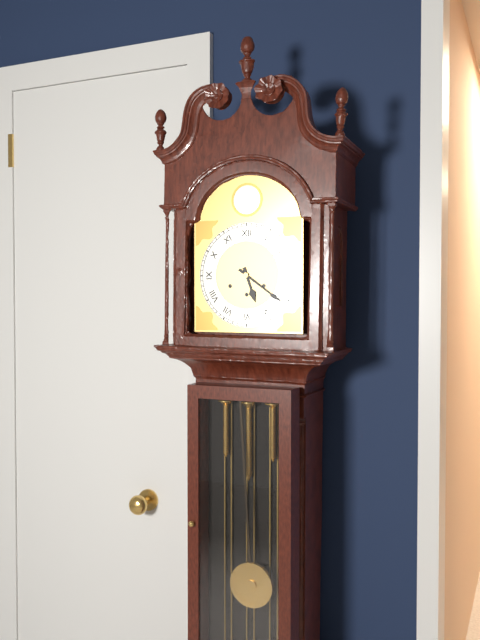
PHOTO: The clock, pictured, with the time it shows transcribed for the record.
5:21
